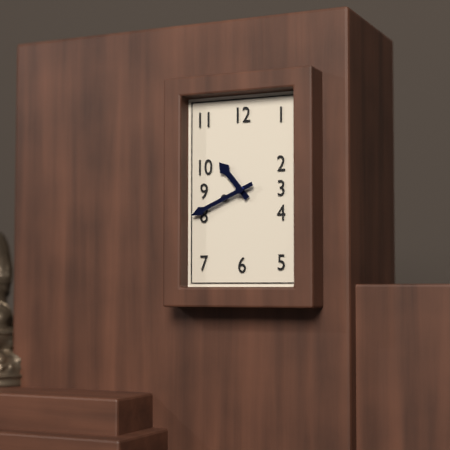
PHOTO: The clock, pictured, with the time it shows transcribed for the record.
10:41
